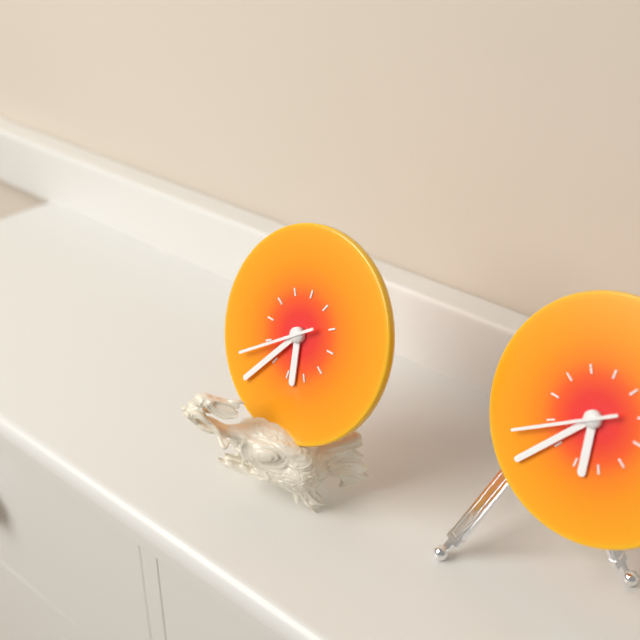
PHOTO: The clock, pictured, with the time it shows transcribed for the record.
5:36:39
